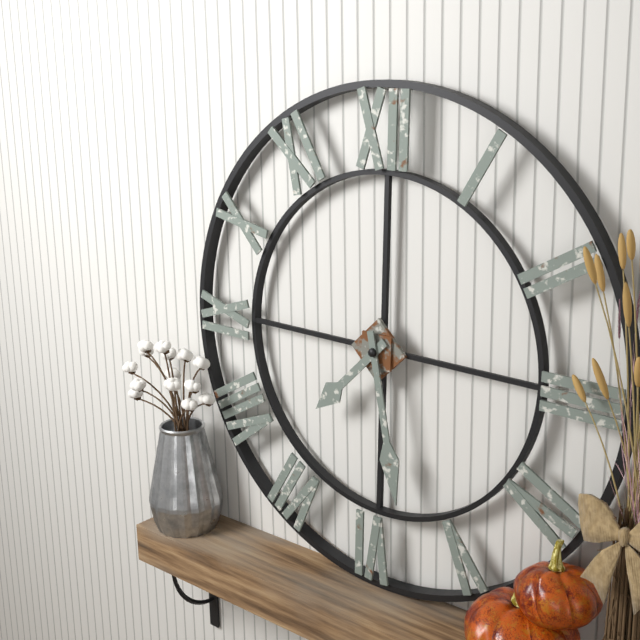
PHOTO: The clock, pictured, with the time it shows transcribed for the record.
7:28
